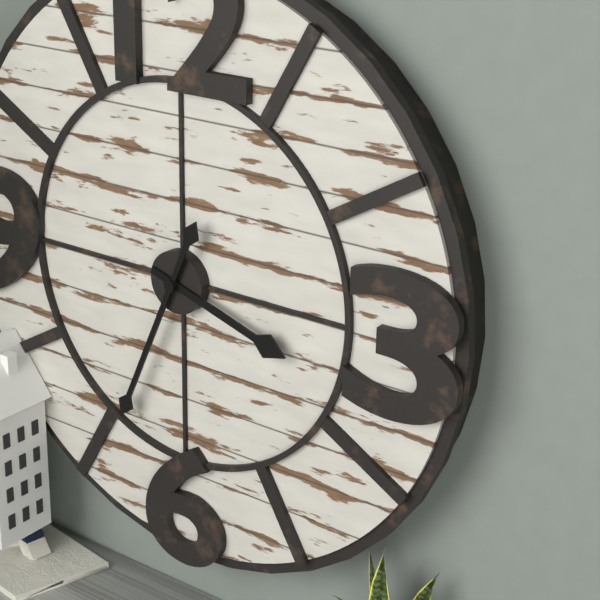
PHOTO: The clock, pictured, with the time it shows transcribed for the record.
3:34
